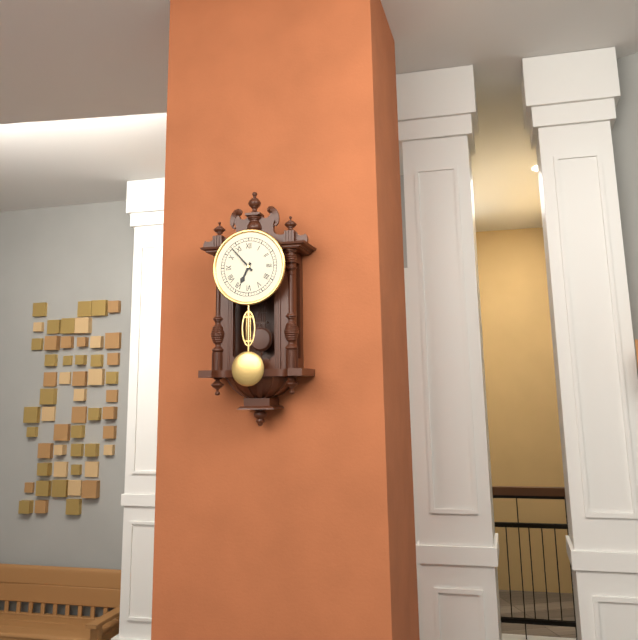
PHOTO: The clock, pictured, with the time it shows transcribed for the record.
6:53
